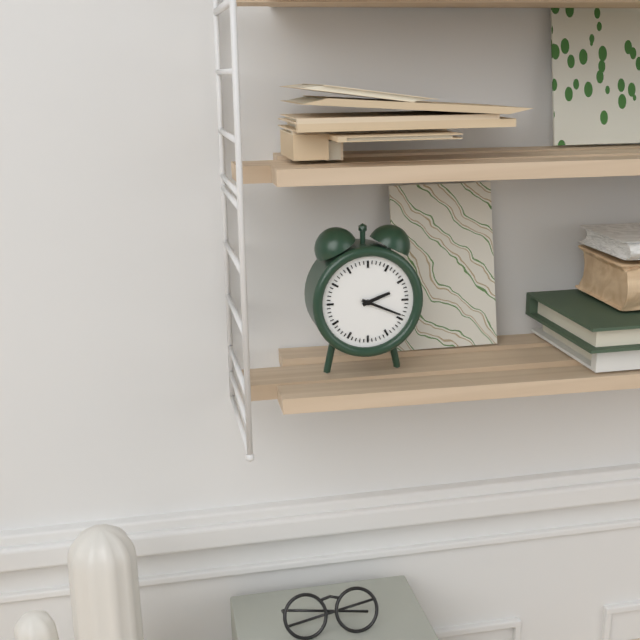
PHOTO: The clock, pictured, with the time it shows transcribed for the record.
2:19
